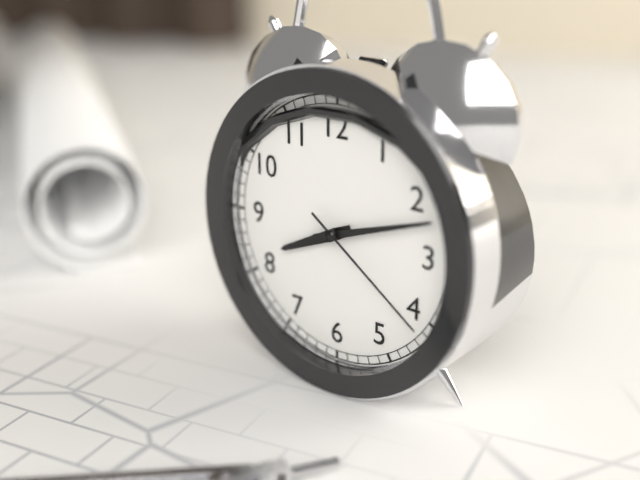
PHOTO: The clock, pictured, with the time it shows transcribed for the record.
8:12:21
